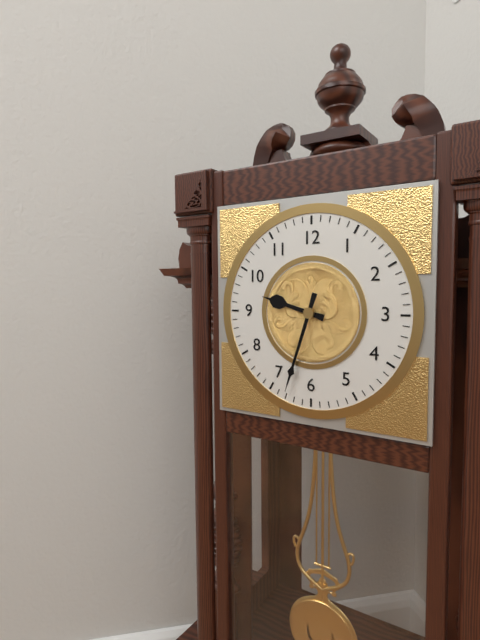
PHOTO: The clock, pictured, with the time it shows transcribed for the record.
9:33
